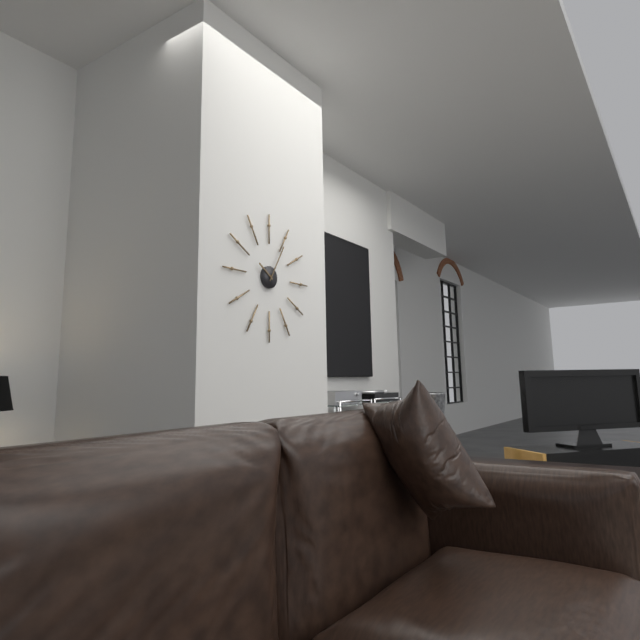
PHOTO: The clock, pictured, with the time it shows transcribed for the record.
10:05
